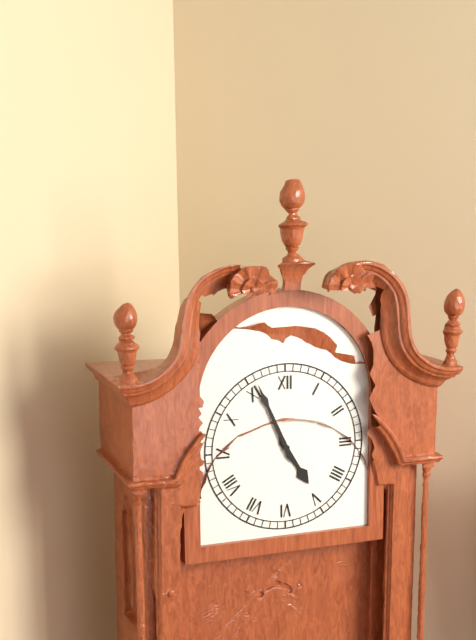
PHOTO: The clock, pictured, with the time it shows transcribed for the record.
4:56
